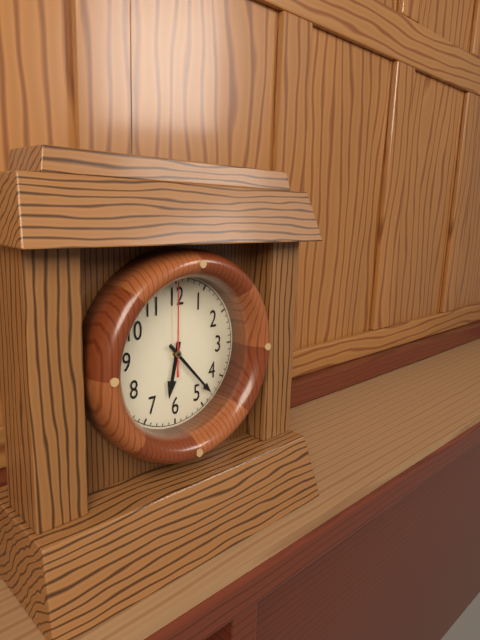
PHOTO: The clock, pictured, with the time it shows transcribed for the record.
6:23:00
